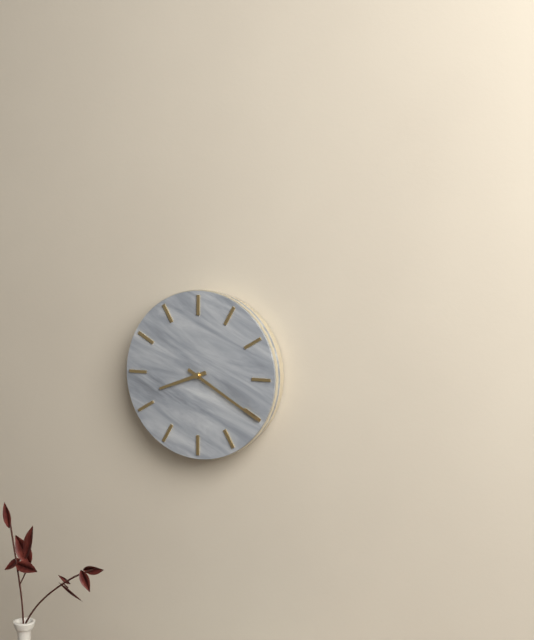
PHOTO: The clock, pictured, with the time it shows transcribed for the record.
8:20
